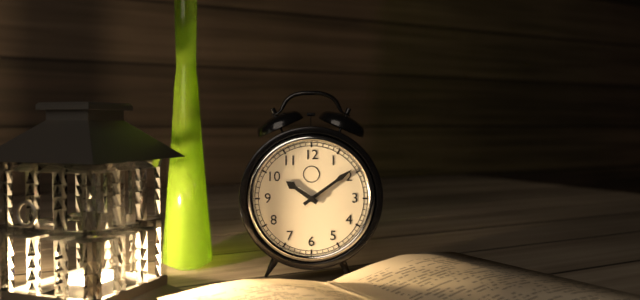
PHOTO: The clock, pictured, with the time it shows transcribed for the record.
10:09
